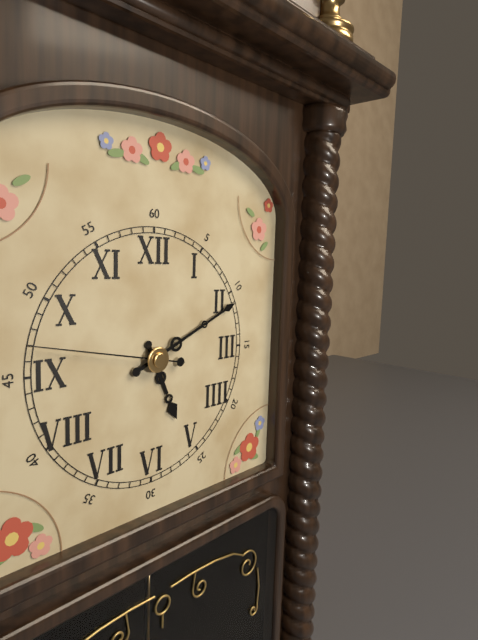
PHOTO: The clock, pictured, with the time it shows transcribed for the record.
5:11:47
